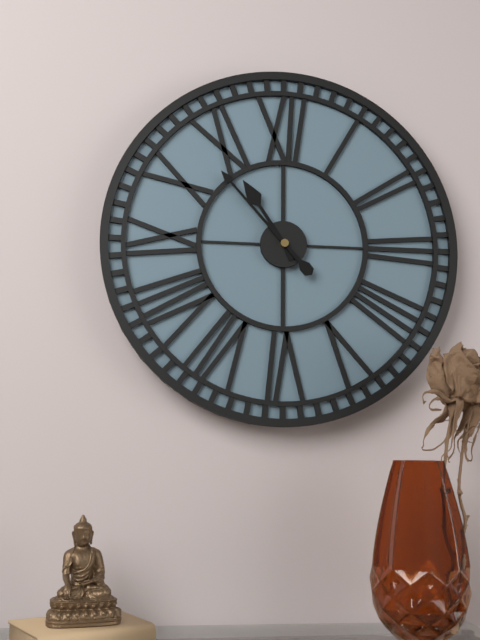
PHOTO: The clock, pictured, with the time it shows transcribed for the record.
10:53
